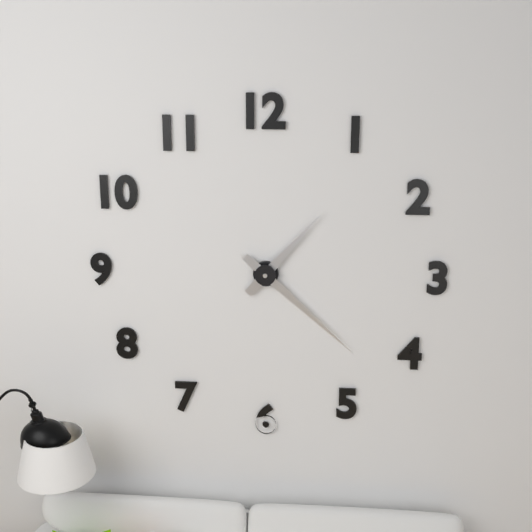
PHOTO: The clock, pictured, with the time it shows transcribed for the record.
1:22
